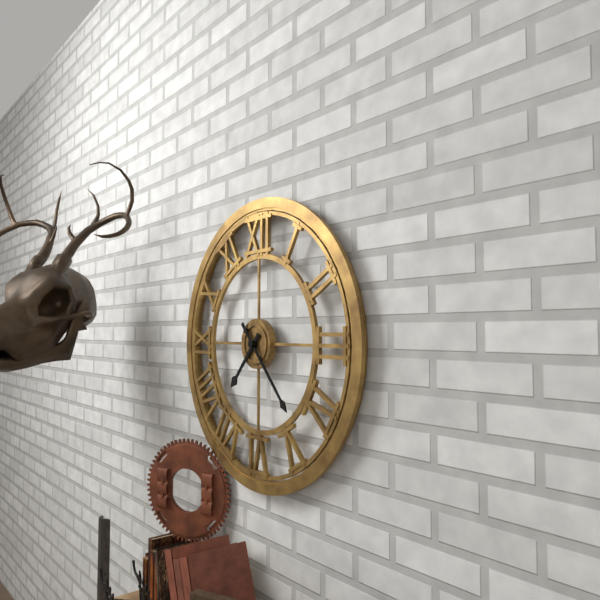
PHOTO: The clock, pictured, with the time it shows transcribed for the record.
7:23
